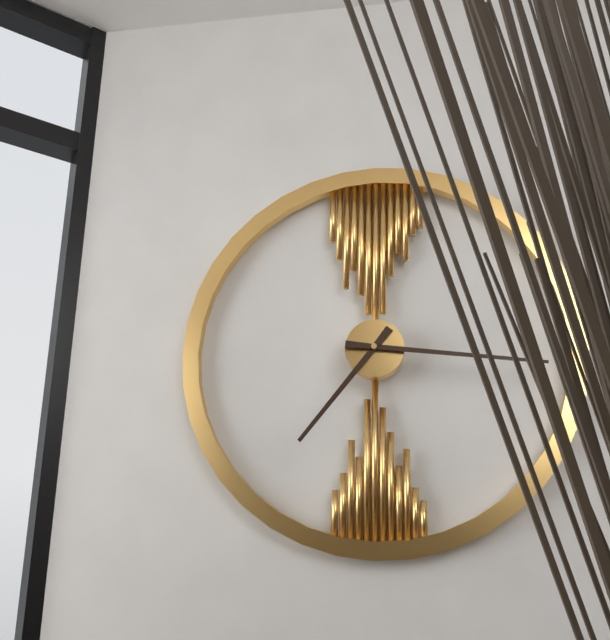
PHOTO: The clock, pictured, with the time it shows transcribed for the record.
7:16
